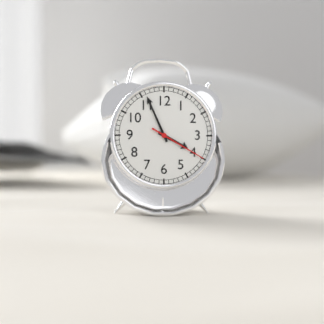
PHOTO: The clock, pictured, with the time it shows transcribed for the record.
3:56:20
